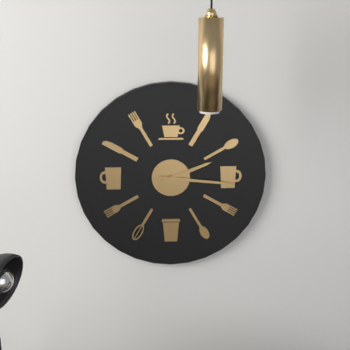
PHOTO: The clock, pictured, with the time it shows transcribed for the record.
2:16
